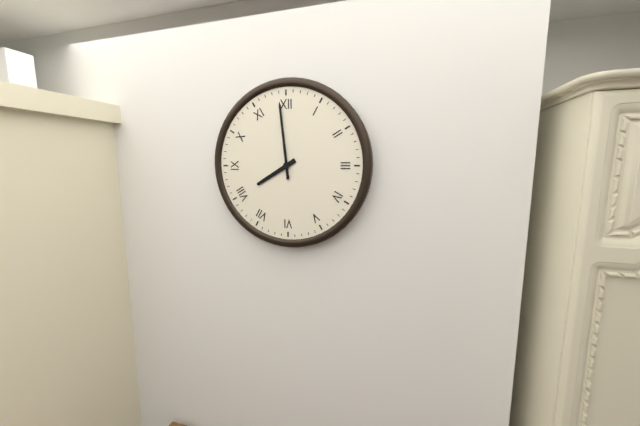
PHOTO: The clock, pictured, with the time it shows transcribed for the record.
7:59
